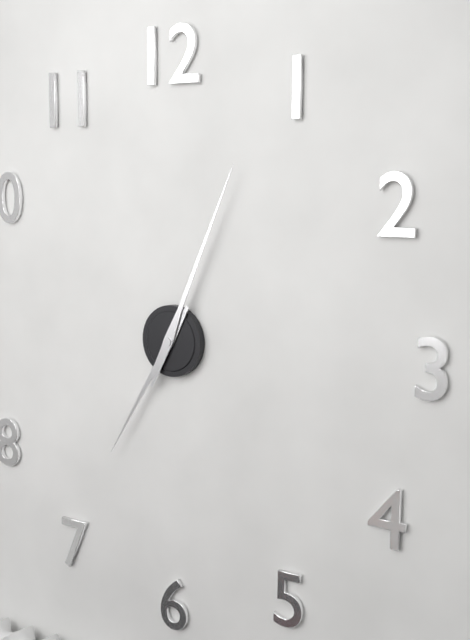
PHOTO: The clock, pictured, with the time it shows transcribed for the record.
7:04
